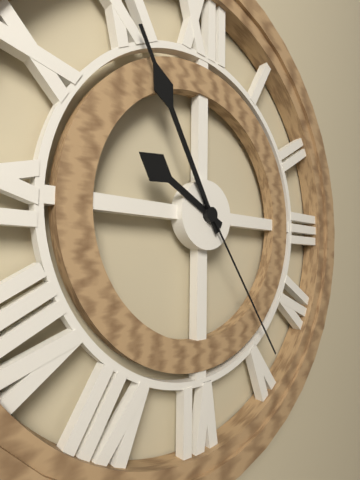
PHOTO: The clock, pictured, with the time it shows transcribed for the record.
9:55:24
